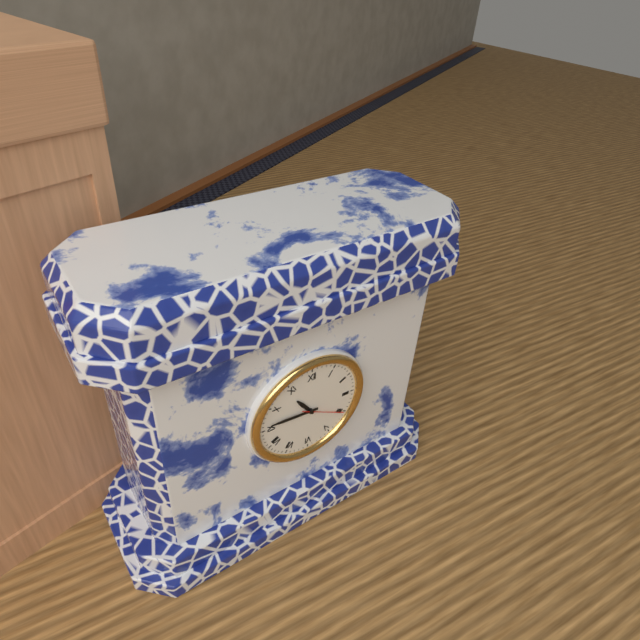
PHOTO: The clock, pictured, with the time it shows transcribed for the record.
10:46:20
